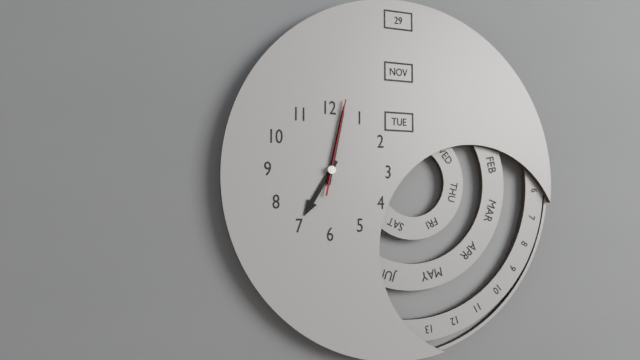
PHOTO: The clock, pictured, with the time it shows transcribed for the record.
7:02:02
